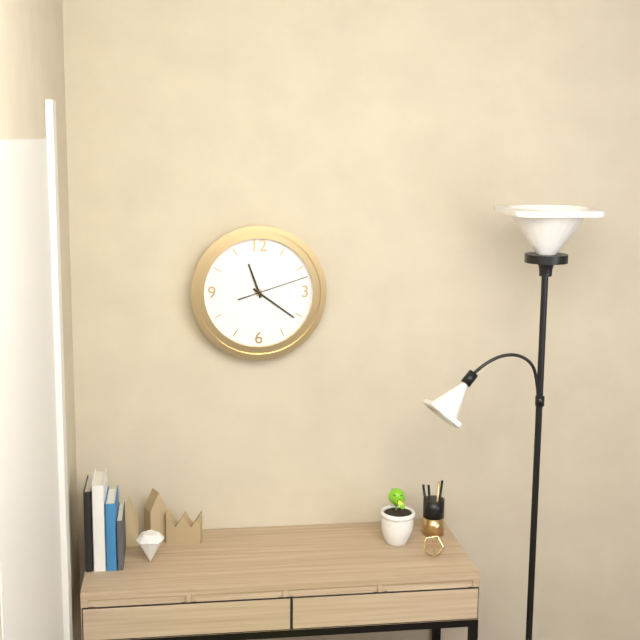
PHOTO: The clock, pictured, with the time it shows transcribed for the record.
11:21:12
